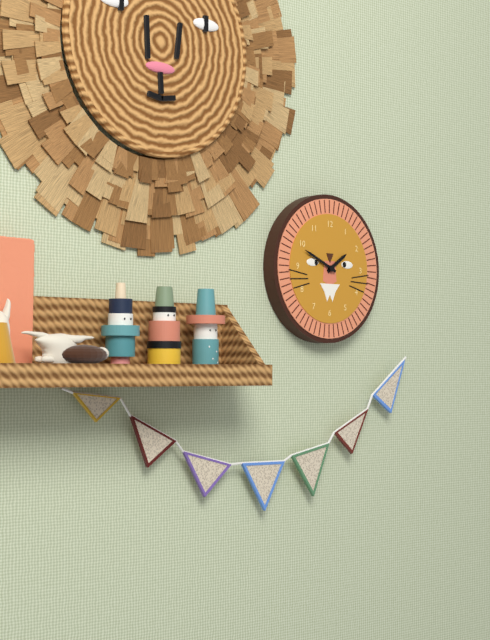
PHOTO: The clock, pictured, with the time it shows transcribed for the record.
1:49
